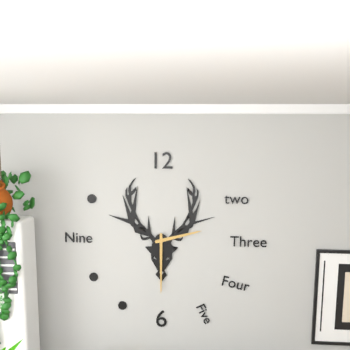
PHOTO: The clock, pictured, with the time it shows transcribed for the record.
2:30
